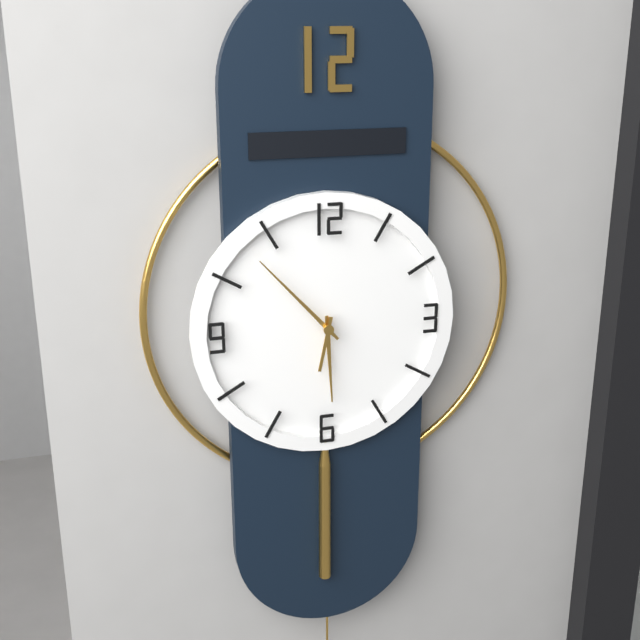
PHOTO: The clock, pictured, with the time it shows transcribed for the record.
5:53:32
